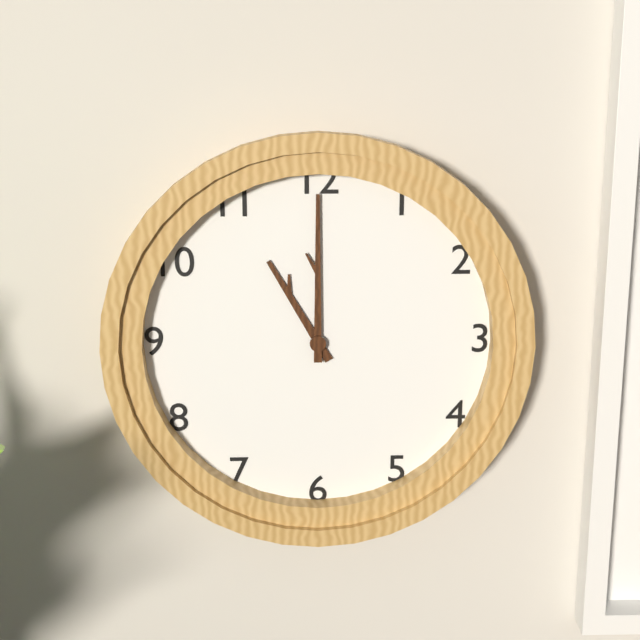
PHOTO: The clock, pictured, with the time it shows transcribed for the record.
11:00
